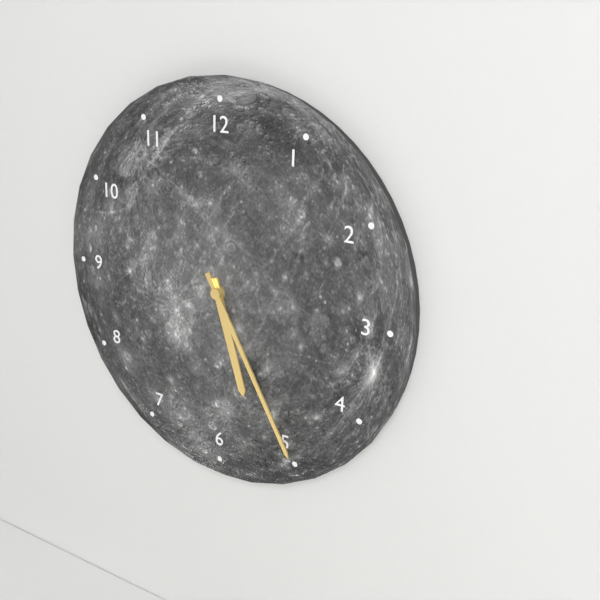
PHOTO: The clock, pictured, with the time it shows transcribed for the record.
5:25
